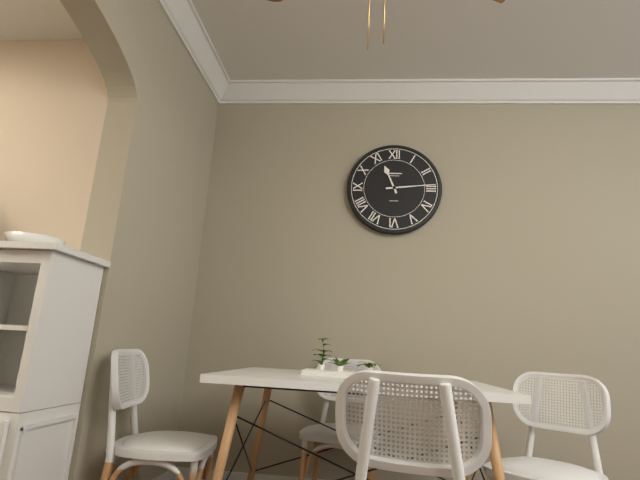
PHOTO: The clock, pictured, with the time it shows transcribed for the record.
11:14
